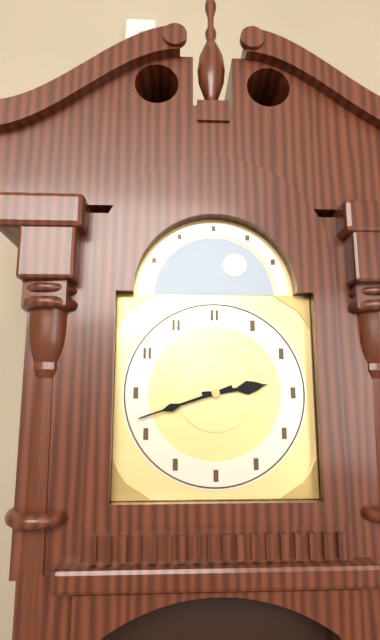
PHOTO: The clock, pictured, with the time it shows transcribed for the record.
2:42
